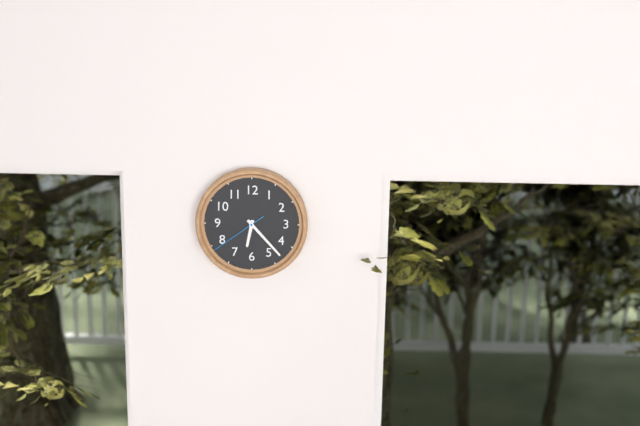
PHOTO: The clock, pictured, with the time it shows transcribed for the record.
6:23:39
